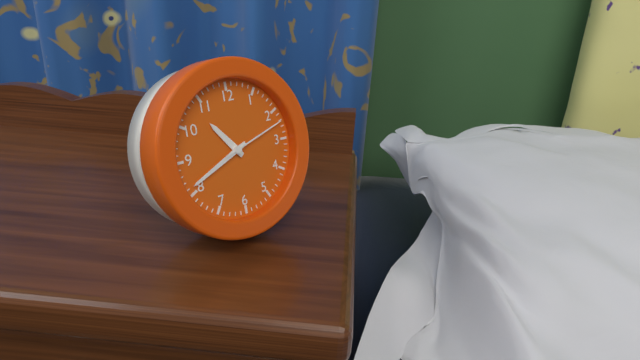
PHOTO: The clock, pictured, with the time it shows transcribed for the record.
10:41:12
